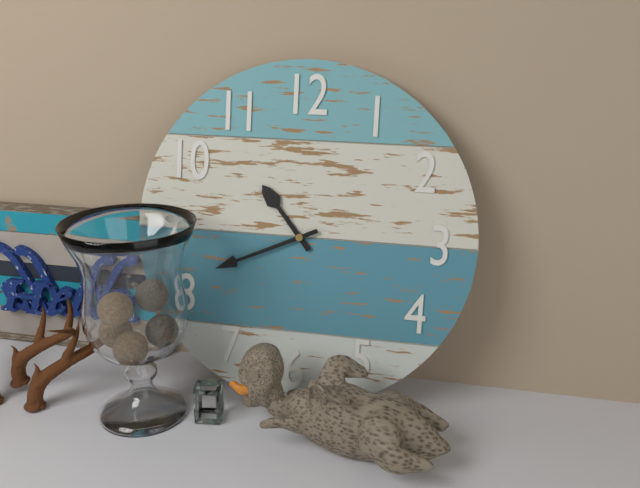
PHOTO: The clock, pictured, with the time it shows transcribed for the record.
10:41
